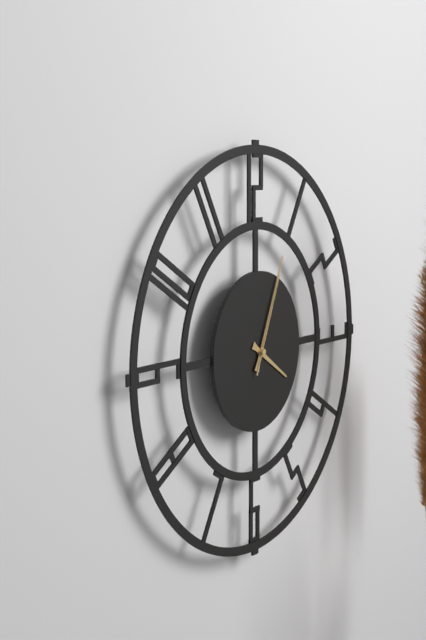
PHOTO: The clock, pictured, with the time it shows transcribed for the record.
4:04:04
